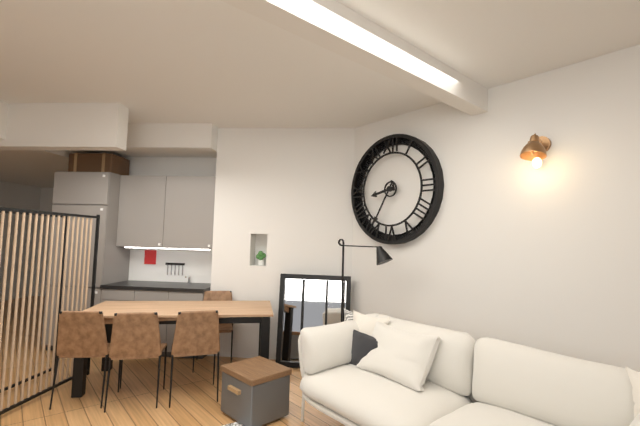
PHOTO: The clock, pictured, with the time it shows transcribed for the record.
8:35
